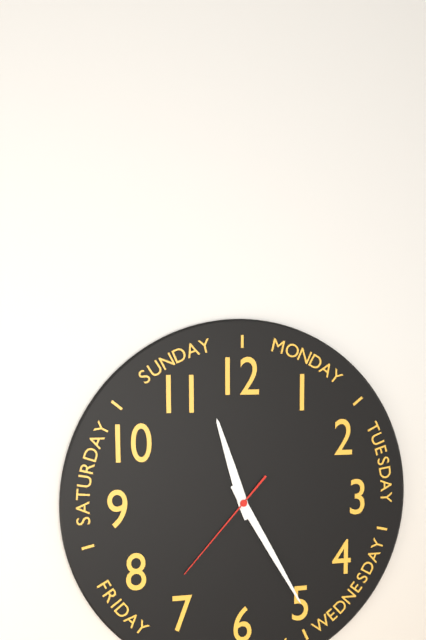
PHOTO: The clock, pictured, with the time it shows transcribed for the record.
11:25:37
